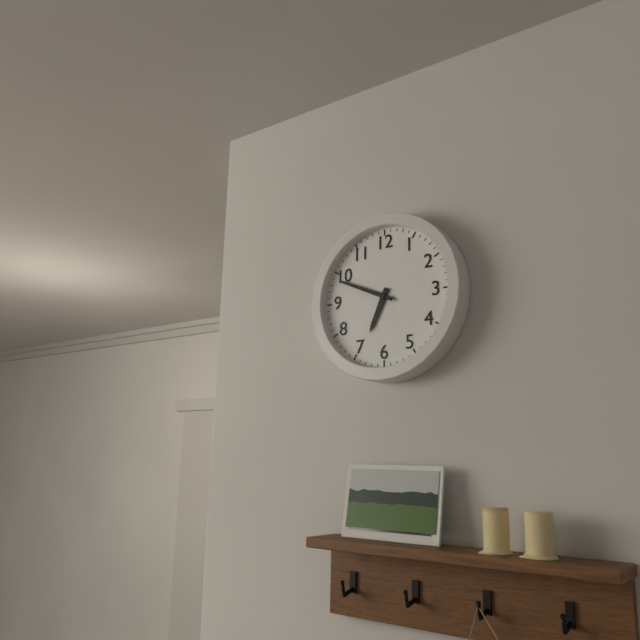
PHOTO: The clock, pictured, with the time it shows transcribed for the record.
6:49
